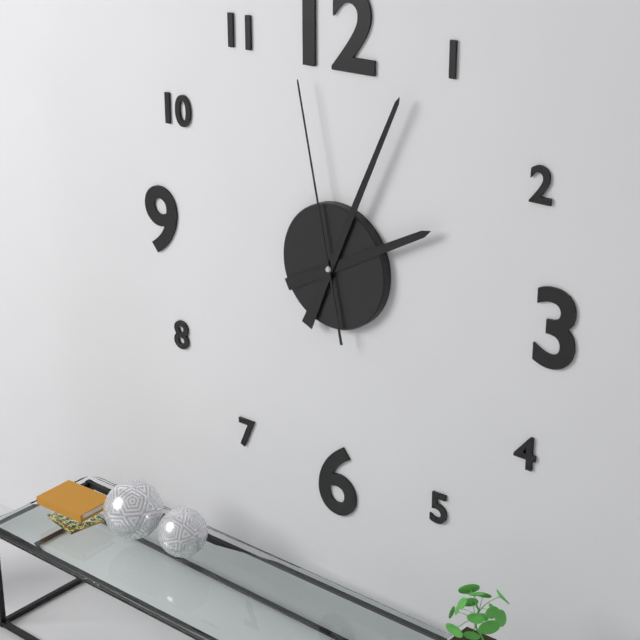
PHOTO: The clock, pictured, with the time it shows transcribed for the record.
2:04:58
